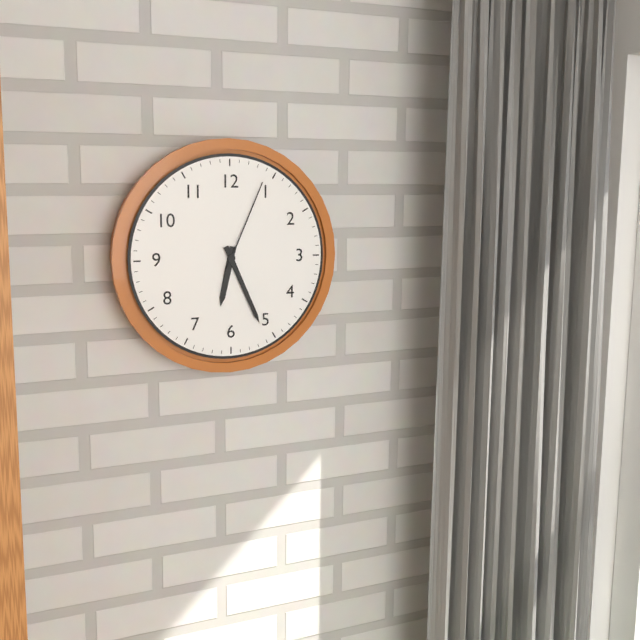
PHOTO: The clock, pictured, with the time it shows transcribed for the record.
6:26:04
